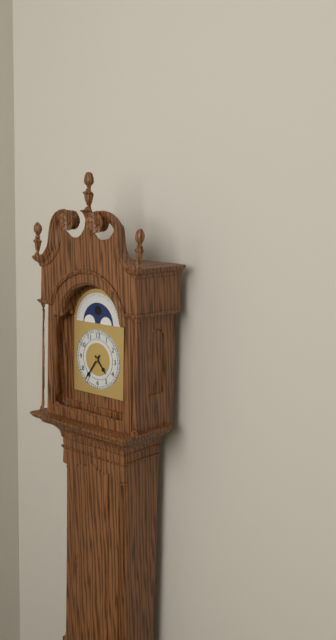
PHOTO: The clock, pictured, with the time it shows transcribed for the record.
4:36
